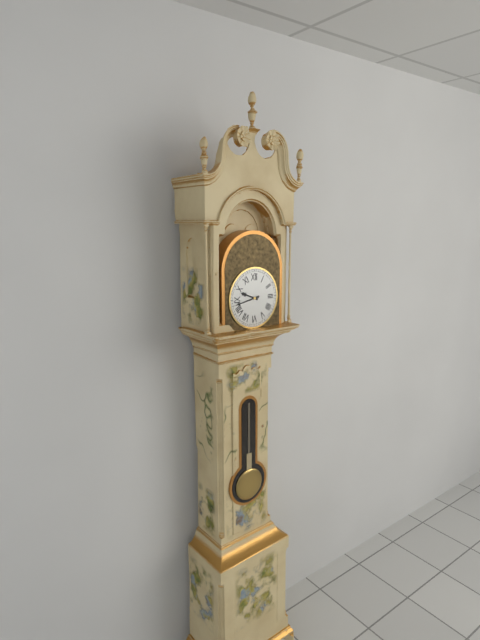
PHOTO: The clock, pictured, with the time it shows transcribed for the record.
9:43
